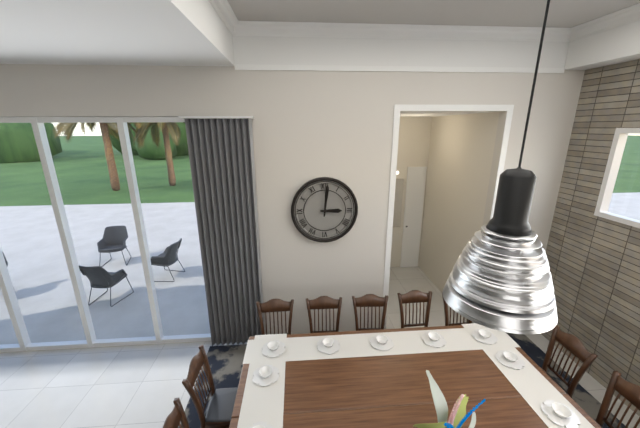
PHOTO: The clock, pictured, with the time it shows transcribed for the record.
3:01
